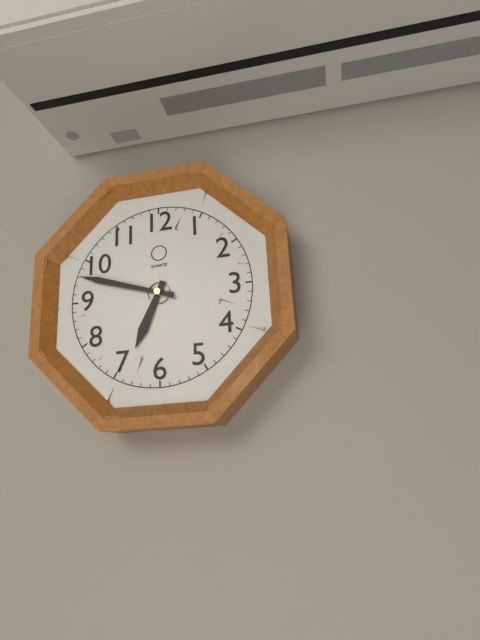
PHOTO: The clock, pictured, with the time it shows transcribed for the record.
6:48
